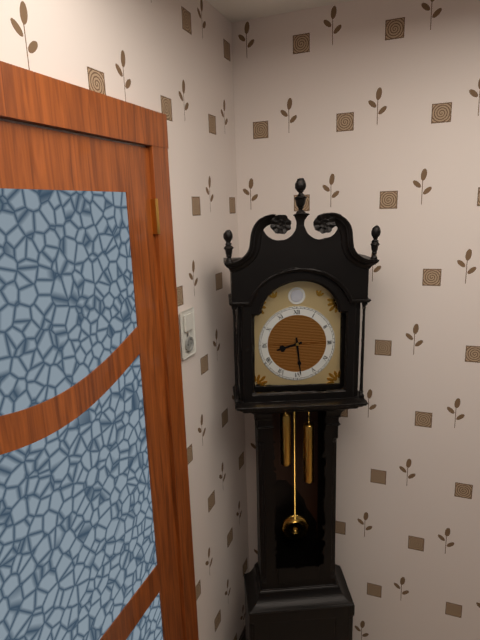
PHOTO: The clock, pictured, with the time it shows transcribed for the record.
8:29
